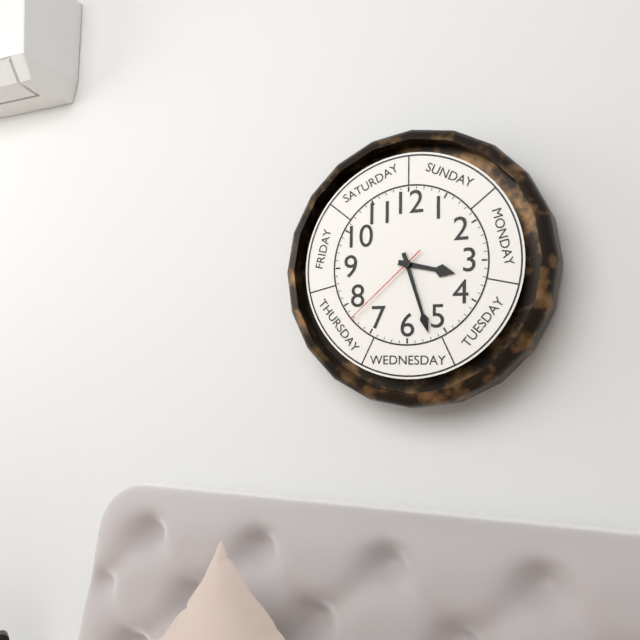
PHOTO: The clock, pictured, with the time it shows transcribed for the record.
3:27:38
